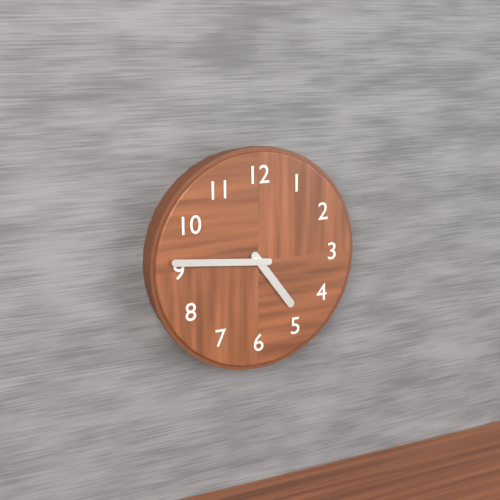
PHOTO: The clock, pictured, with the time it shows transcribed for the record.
4:46
